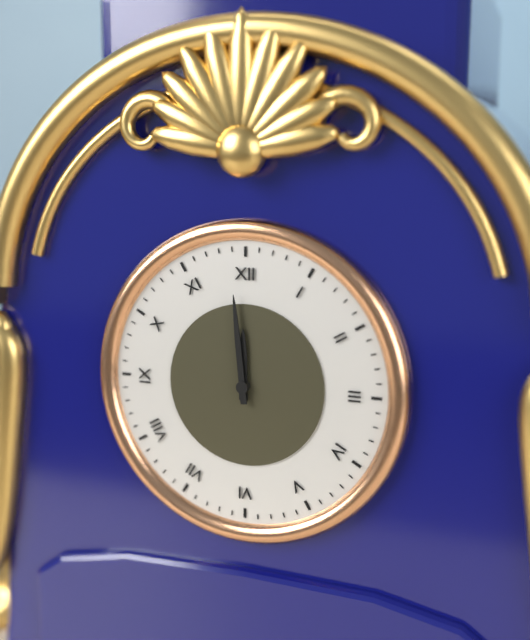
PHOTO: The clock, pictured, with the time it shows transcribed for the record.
11:59
